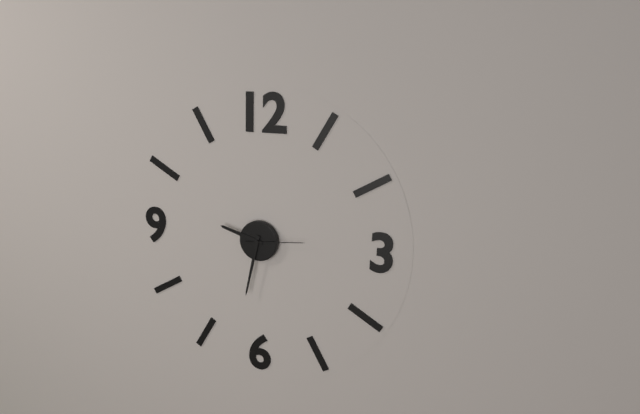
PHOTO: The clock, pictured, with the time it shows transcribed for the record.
9:32:14
